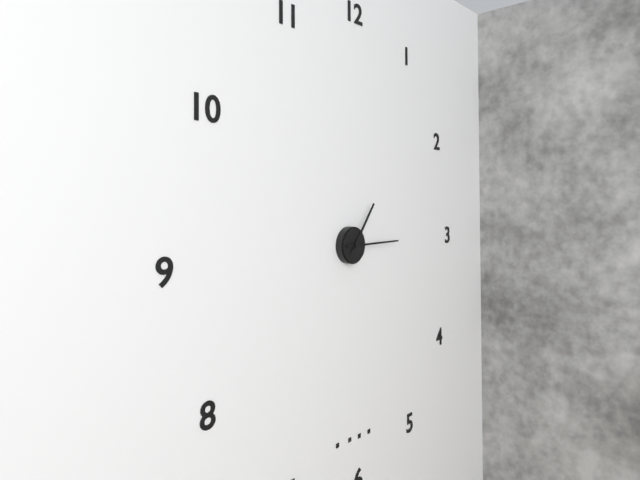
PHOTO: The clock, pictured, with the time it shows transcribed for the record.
1:15
